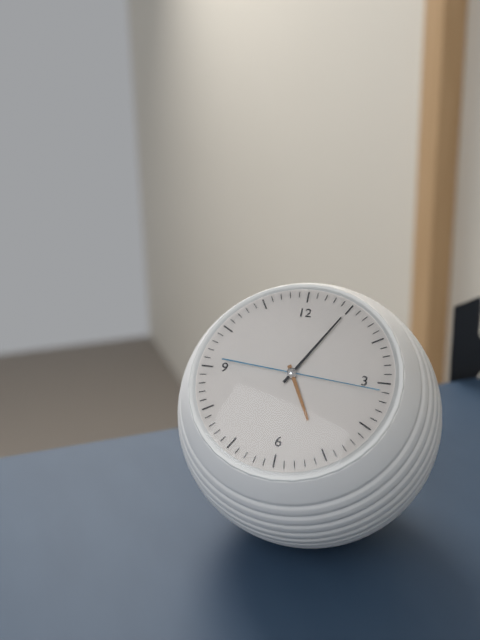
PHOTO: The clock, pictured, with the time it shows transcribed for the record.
5:05:16
